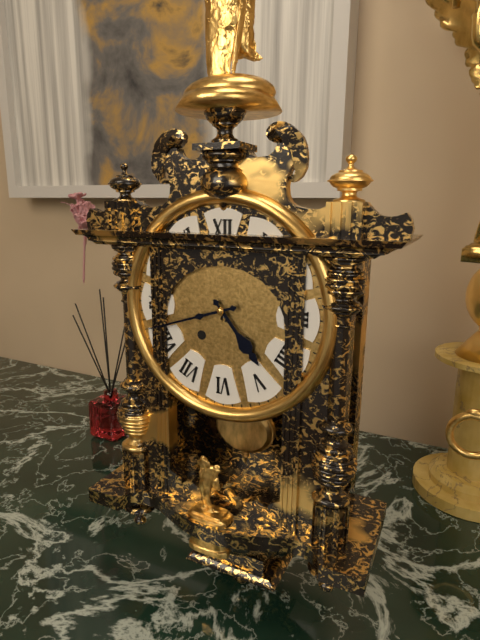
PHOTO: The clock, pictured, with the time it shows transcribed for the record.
4:42
